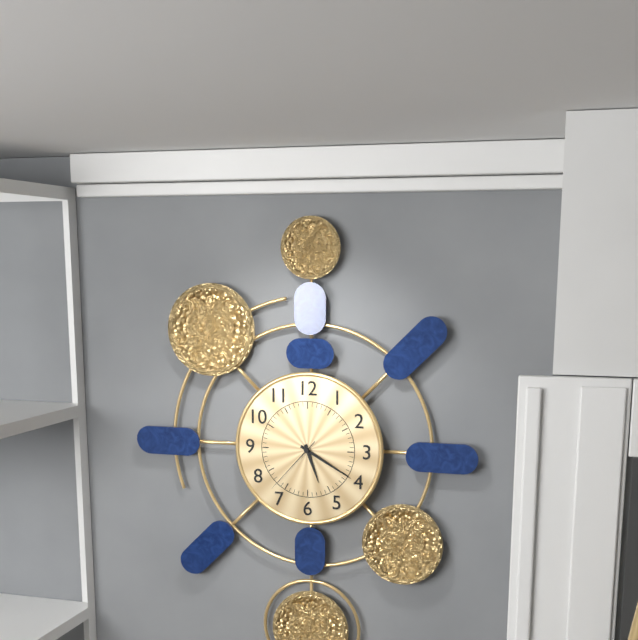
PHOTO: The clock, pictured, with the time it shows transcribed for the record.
5:20:37
